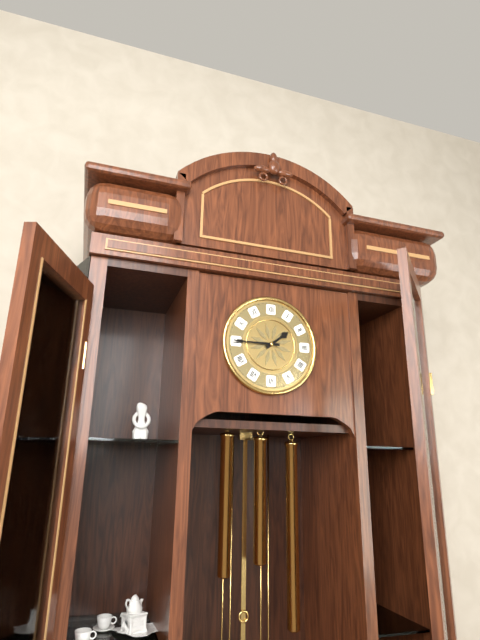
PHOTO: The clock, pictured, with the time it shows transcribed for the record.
1:45
